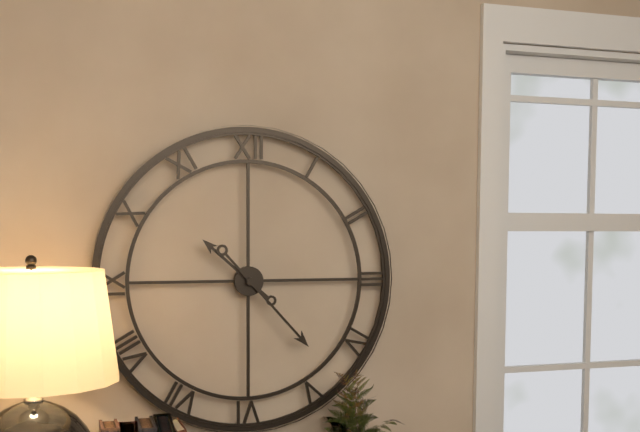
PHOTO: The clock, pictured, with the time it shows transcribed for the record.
10:23
